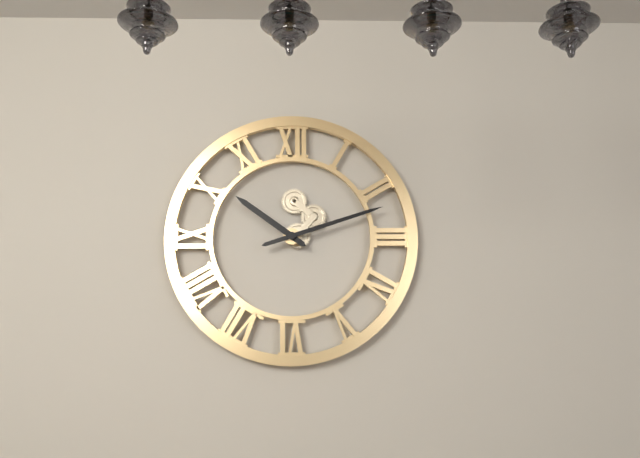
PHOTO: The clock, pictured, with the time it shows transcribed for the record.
10:12
